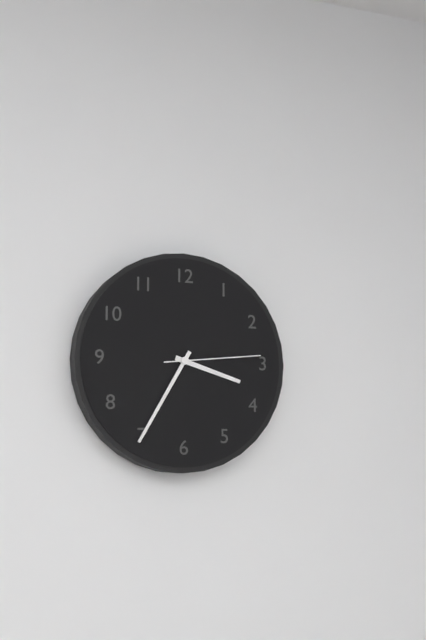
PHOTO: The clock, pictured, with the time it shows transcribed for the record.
3:35:14
